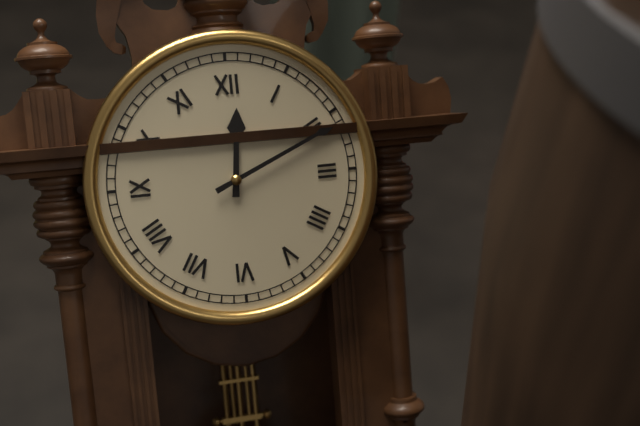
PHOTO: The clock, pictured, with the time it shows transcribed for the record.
12:11
